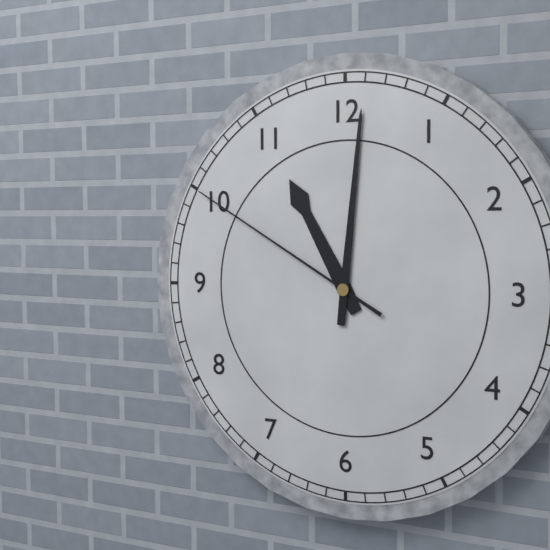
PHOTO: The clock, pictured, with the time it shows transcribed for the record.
11:01:50
